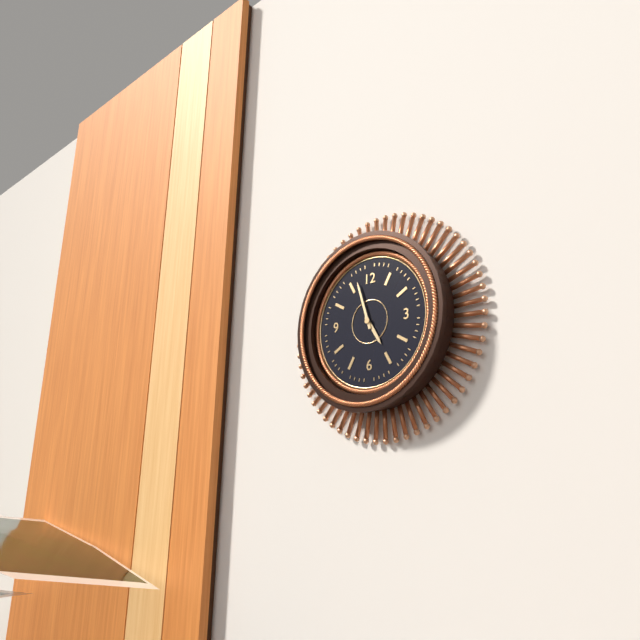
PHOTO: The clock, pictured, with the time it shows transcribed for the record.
4:57
